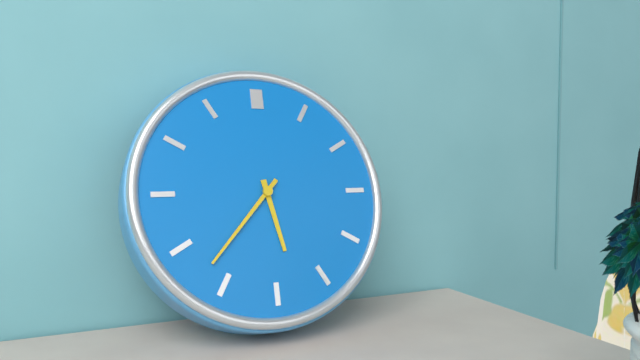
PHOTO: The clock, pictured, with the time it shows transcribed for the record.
5:37
